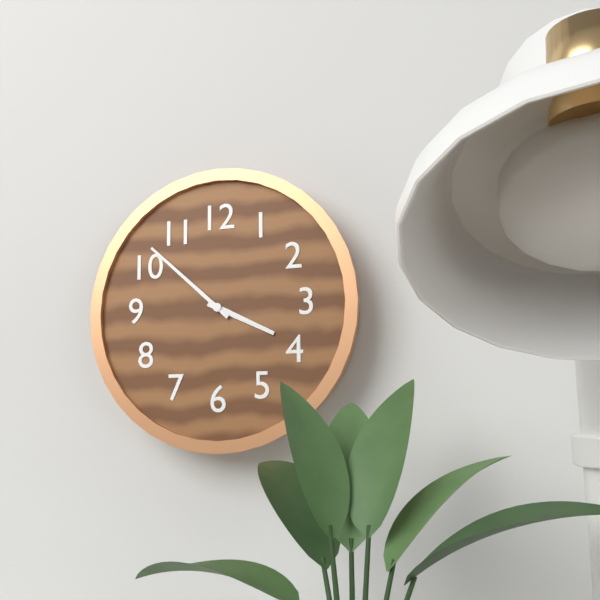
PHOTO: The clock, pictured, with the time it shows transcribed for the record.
3:52
